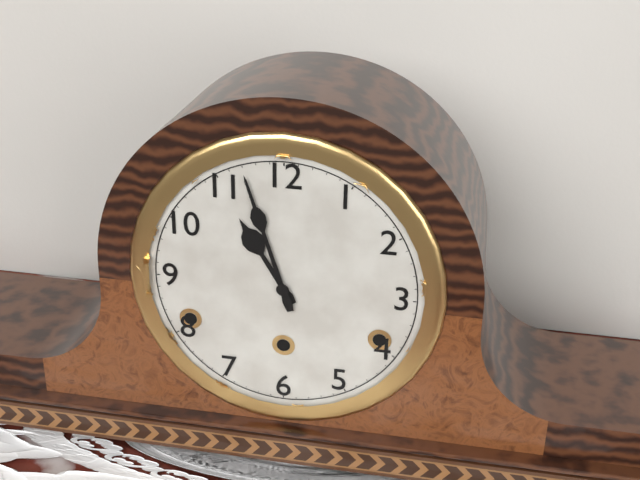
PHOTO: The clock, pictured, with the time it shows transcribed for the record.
10:57
